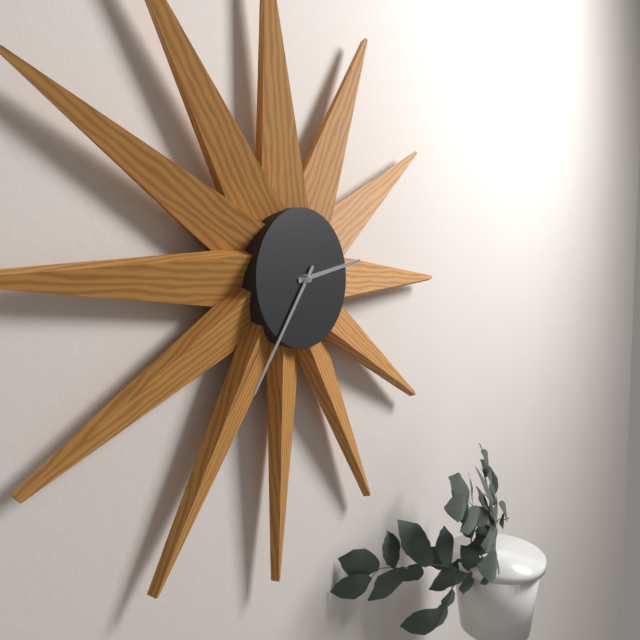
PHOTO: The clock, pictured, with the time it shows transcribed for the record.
2:36
